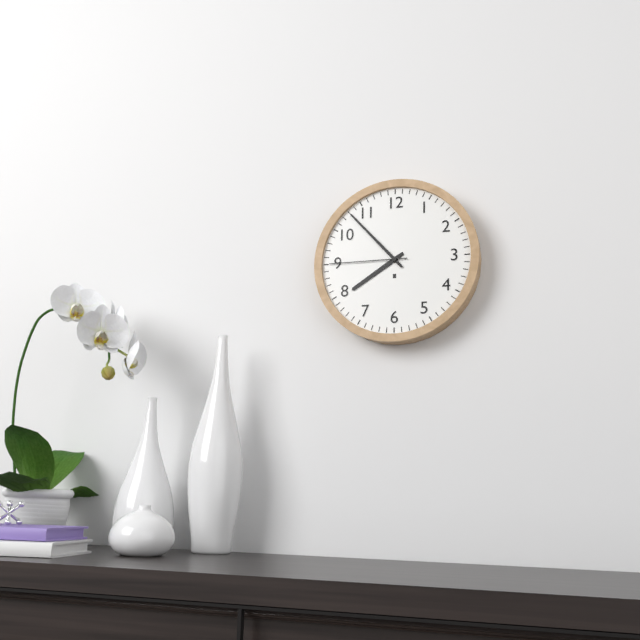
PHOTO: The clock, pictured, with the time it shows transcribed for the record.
7:53:45
